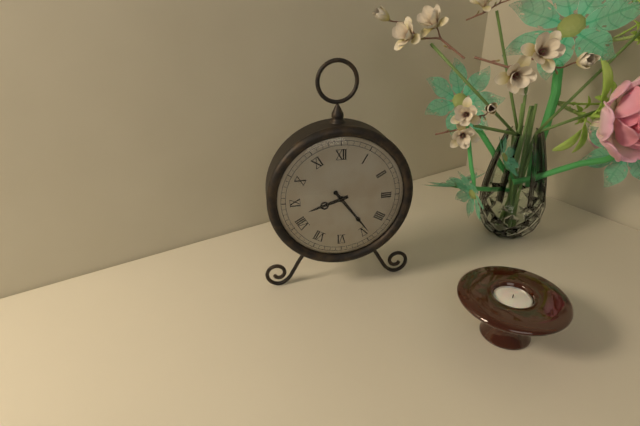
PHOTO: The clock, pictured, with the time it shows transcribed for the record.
8:24
